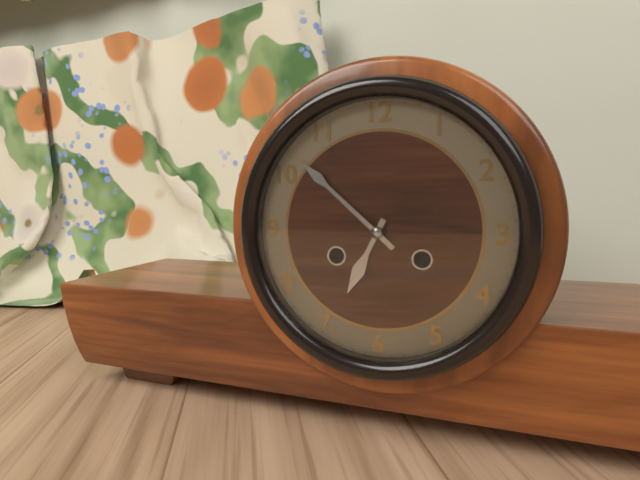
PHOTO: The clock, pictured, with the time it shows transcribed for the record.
6:52
